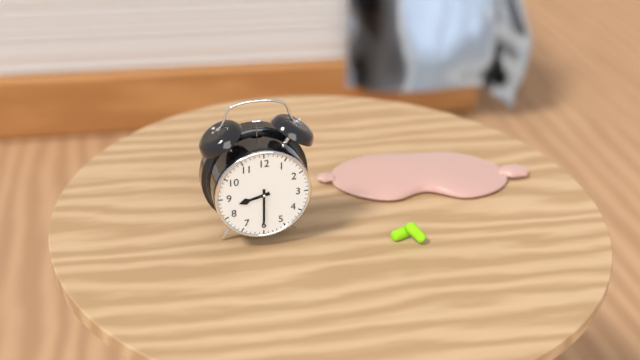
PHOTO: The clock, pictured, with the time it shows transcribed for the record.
8:30
